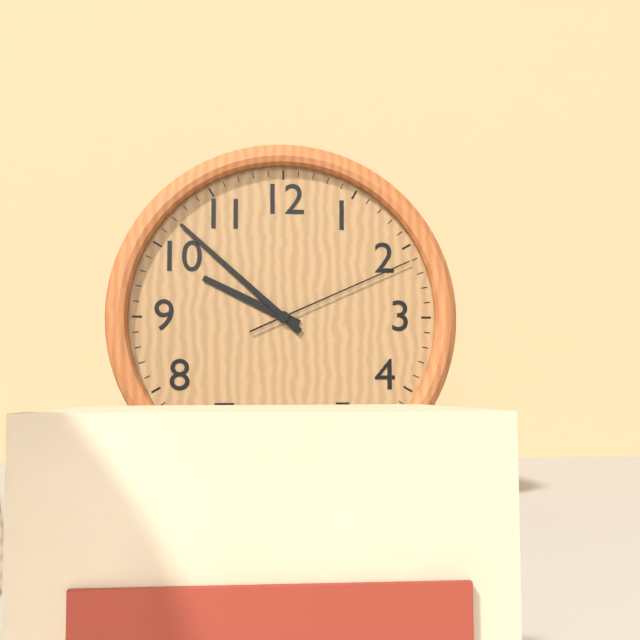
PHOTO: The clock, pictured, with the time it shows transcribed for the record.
9:52:11
